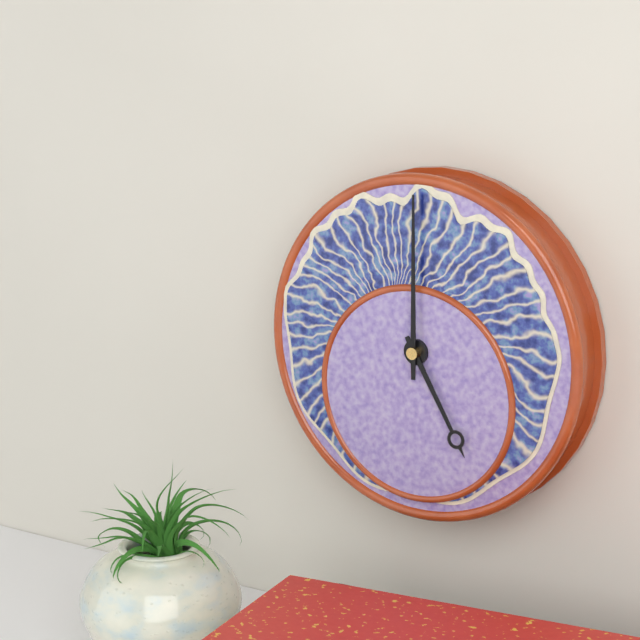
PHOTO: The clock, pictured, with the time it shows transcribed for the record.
5:00
